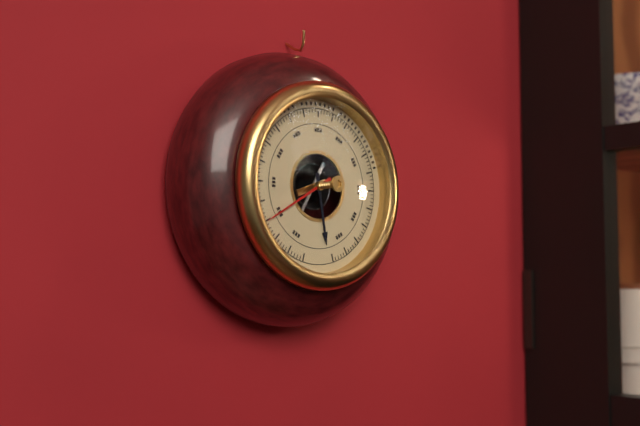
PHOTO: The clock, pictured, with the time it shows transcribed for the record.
5:40
